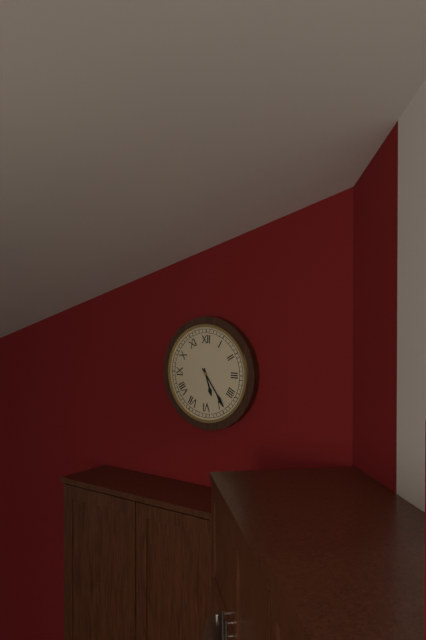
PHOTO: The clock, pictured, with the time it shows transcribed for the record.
5:24
